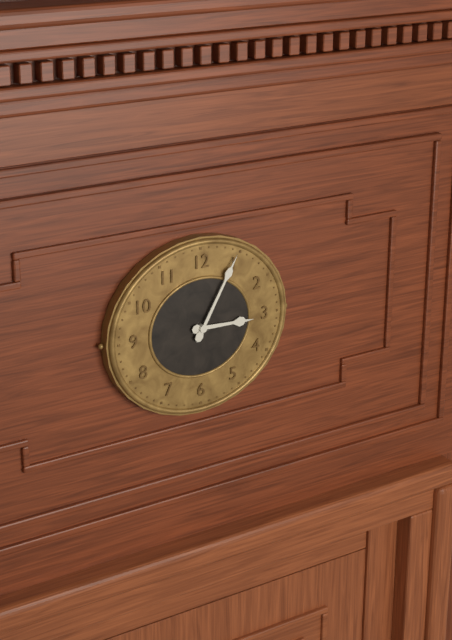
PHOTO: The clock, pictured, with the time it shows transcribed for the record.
3:05
